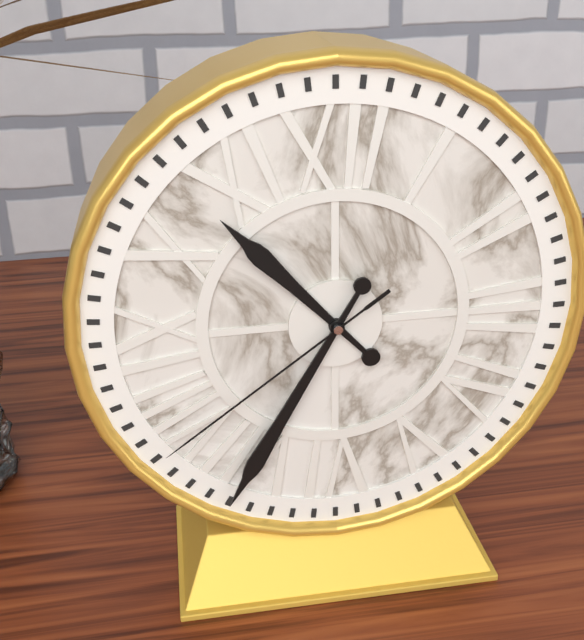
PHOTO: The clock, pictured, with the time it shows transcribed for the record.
10:35:39
